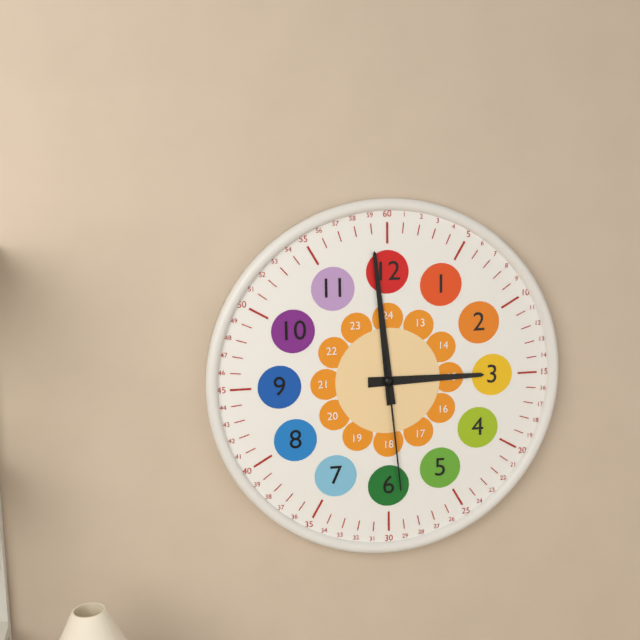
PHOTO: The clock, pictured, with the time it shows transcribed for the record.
2:59:29
